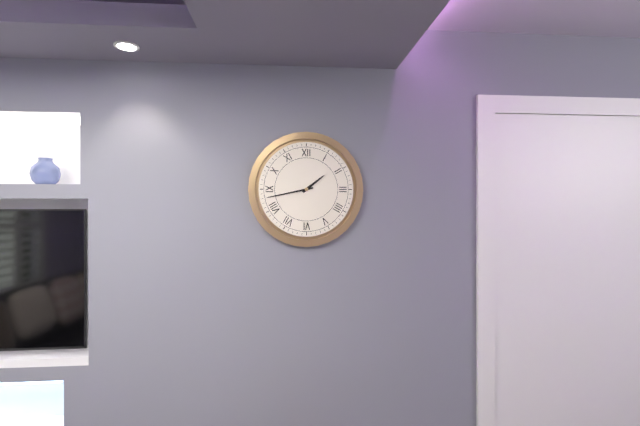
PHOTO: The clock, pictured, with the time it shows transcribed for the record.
1:43
